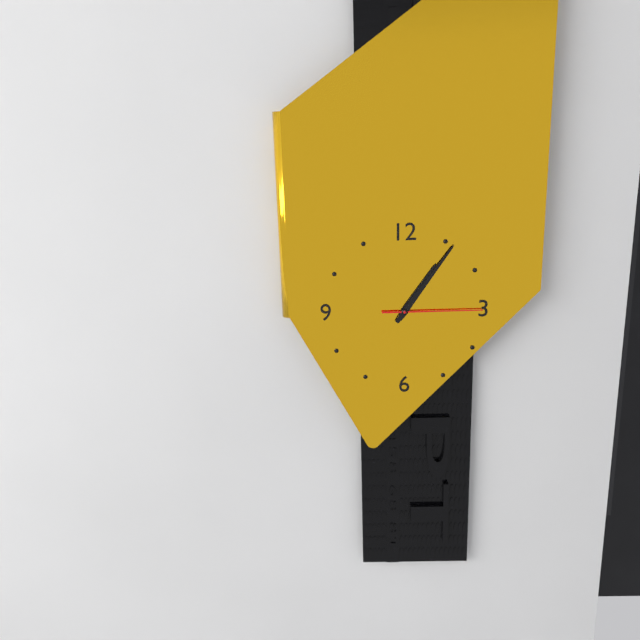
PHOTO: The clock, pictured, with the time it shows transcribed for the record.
1:06:15
